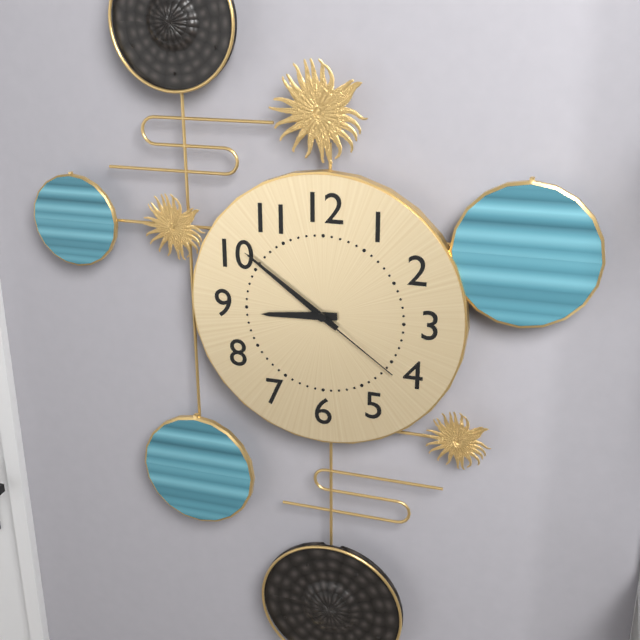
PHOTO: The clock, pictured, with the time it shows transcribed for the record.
8:51:21
